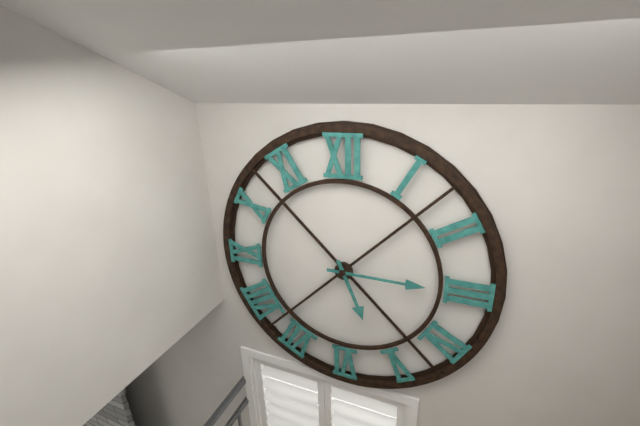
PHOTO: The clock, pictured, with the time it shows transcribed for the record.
5:15
